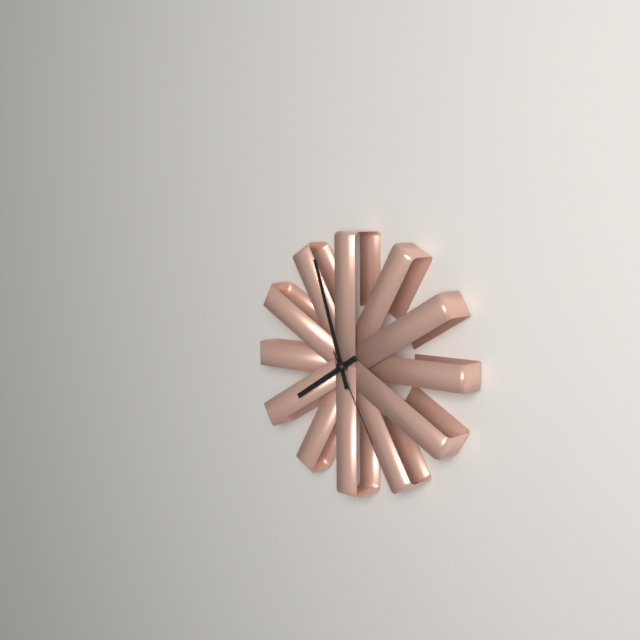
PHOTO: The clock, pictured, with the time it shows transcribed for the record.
7:57:25
